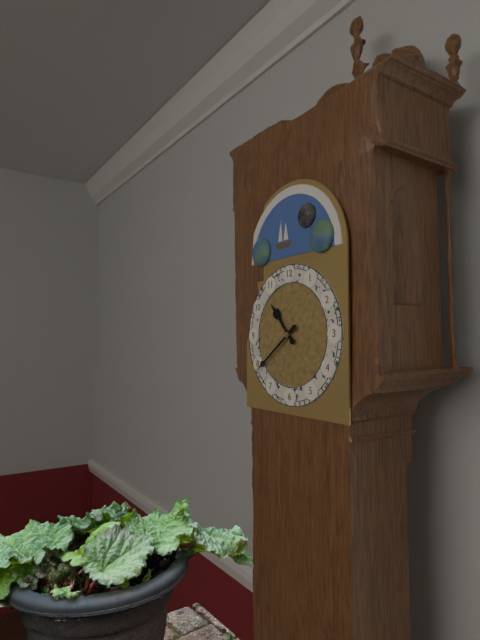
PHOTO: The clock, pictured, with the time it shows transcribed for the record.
10:39
